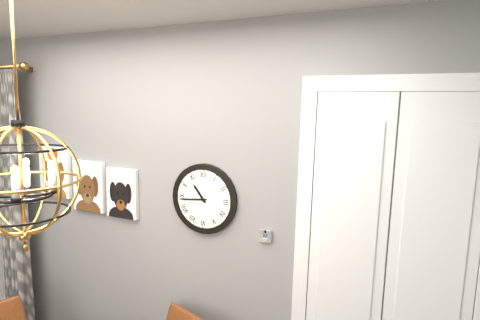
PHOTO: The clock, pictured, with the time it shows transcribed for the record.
10:44
